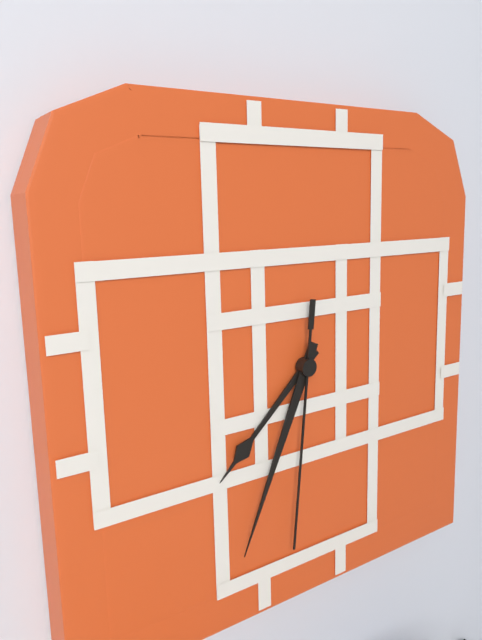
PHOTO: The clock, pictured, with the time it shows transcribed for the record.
7:34:31
